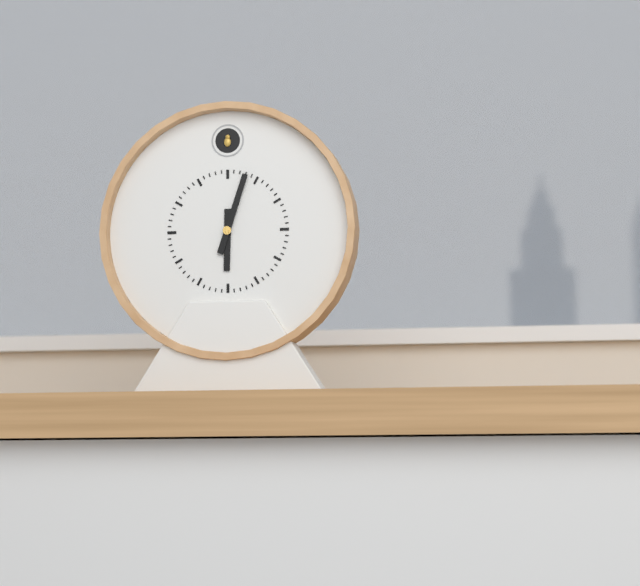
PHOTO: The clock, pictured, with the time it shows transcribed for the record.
6:03
